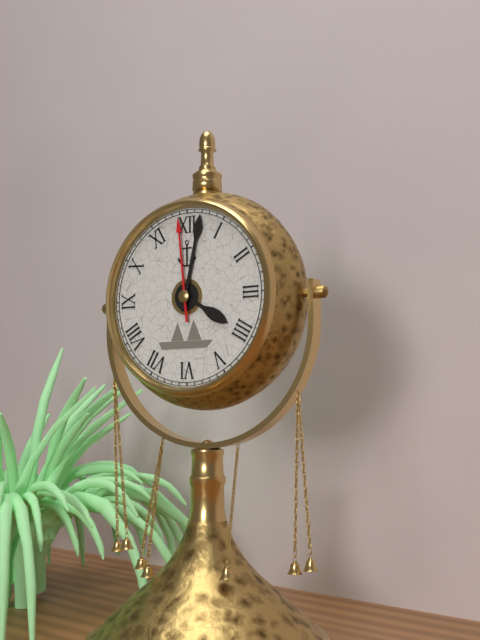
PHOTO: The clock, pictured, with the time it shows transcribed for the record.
4:02:59
